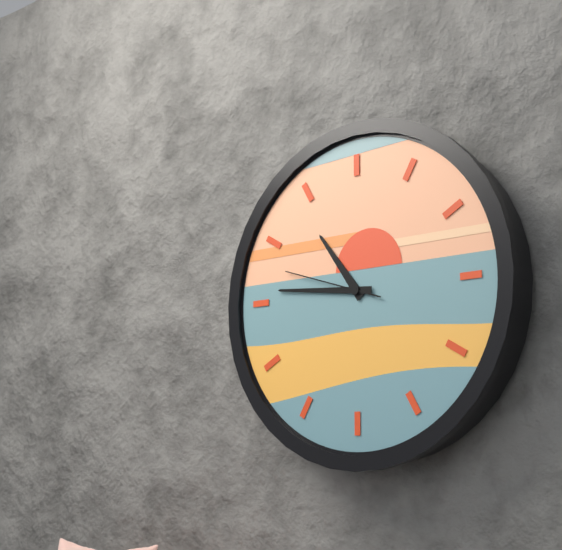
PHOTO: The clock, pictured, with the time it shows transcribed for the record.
10:46:48
